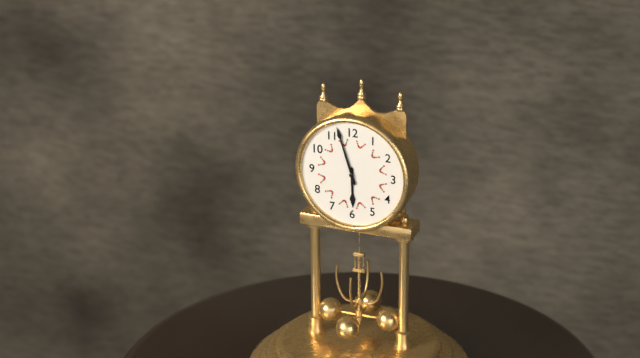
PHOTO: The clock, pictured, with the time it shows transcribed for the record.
5:57
